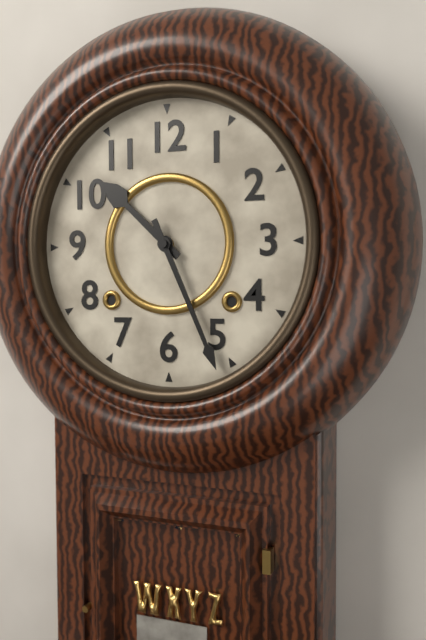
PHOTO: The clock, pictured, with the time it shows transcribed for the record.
10:26
